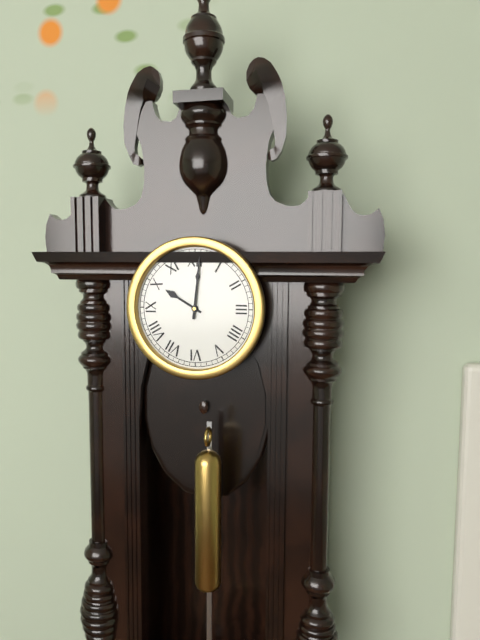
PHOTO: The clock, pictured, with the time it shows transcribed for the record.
10:01
